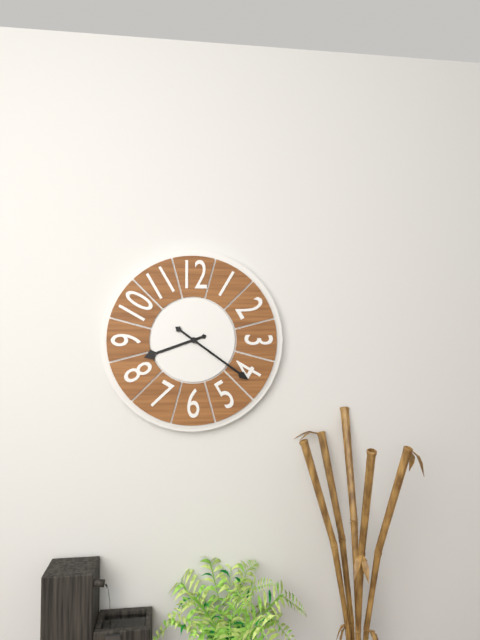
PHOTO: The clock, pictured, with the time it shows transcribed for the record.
8:21
